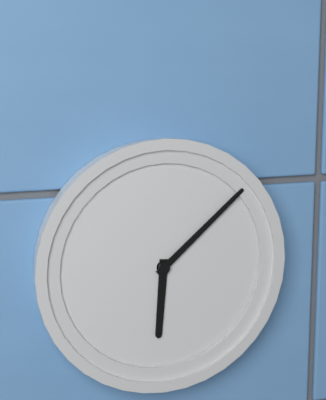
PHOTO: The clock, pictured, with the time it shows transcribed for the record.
6:08
